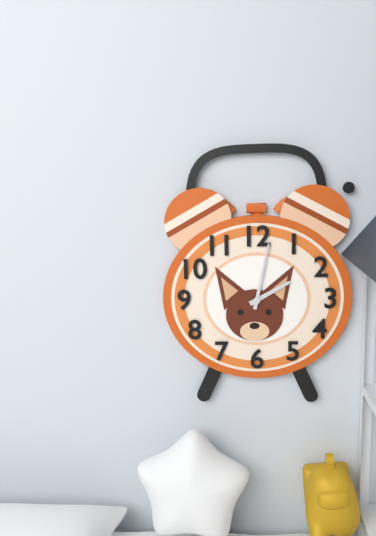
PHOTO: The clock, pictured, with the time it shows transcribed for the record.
2:02
